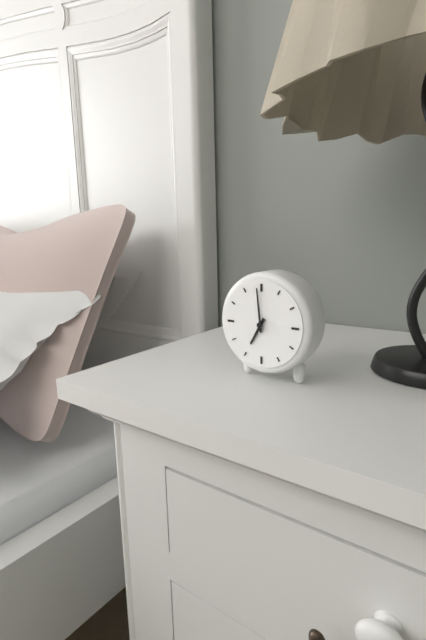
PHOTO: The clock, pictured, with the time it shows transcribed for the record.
6:59
